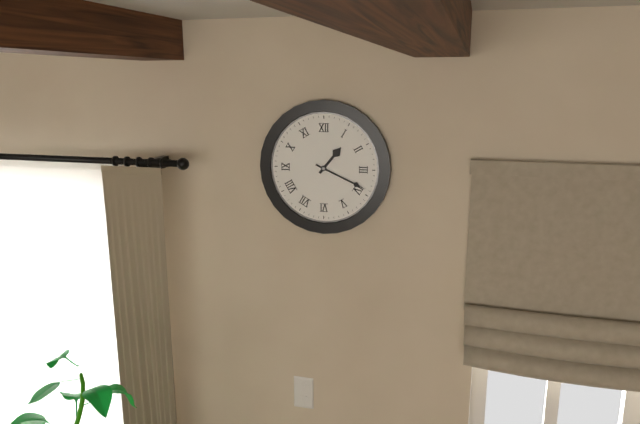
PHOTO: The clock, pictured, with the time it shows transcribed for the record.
1:19
